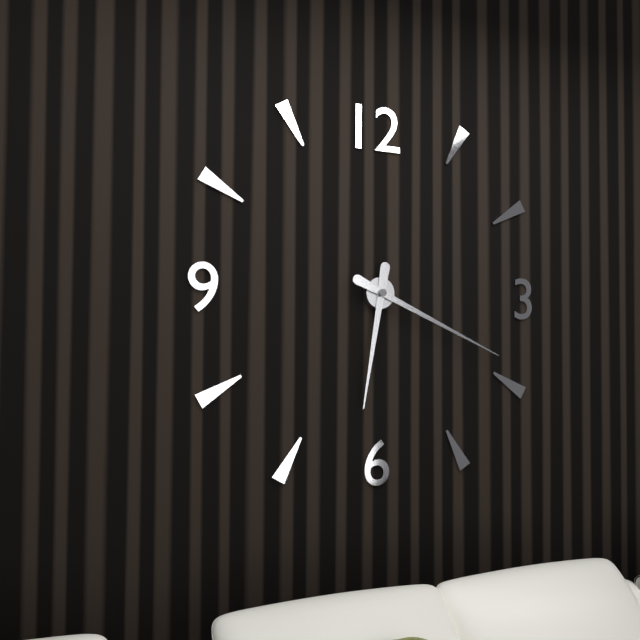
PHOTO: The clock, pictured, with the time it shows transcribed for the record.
6:19
